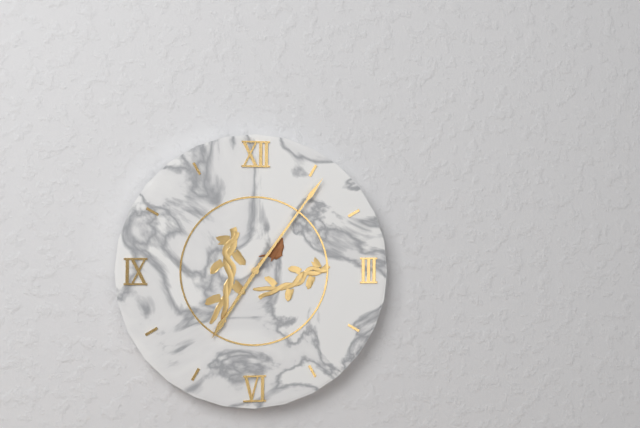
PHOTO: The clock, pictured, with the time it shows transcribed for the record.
7:06
